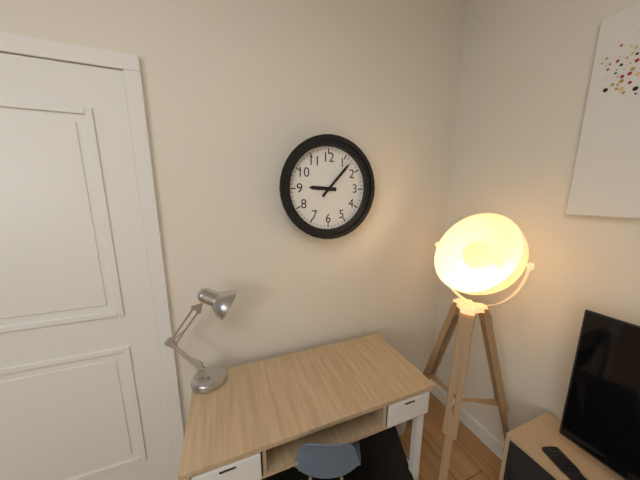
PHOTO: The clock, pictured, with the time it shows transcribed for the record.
9:07
